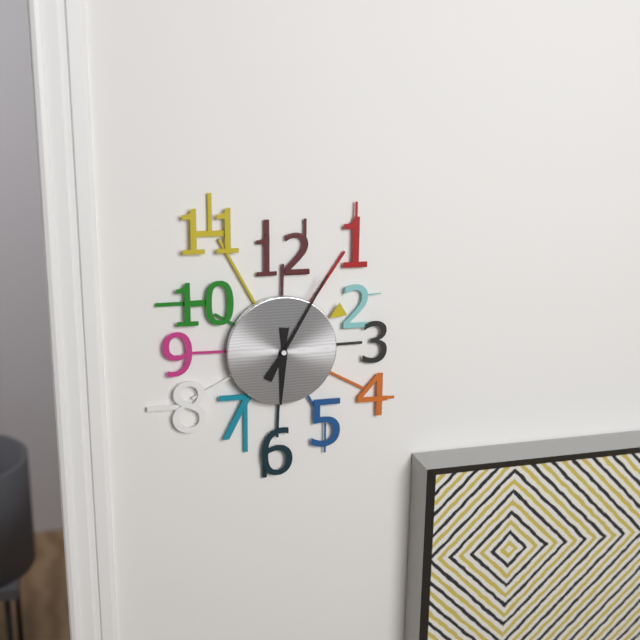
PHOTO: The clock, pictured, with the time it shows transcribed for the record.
6:05
